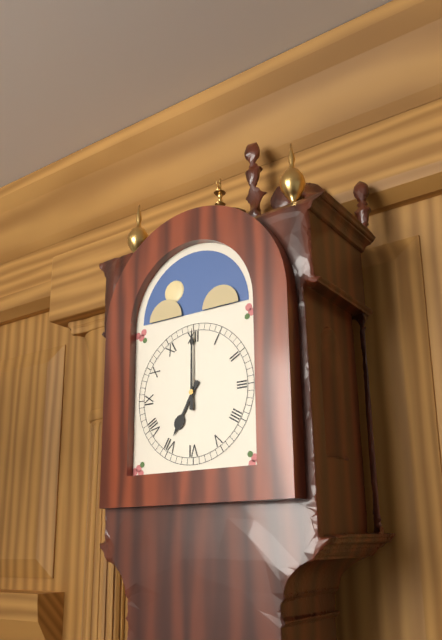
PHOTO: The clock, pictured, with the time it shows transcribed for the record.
7:00
